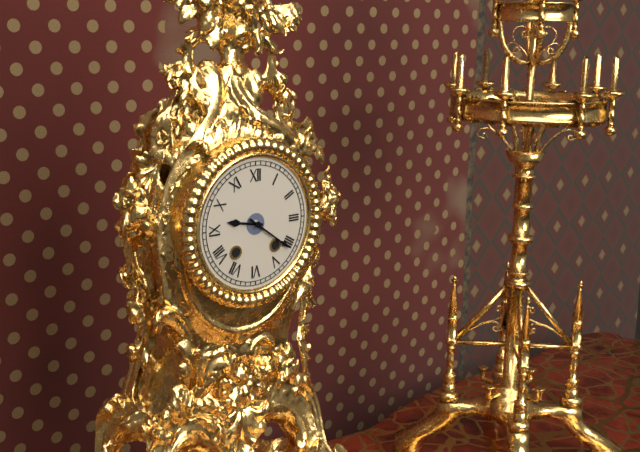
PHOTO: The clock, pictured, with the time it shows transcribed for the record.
9:21
